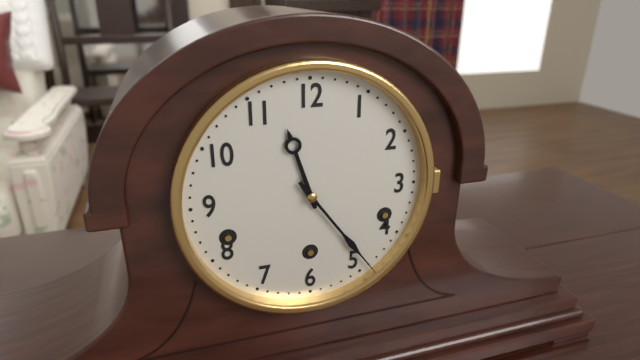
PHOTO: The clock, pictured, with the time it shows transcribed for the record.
11:24
